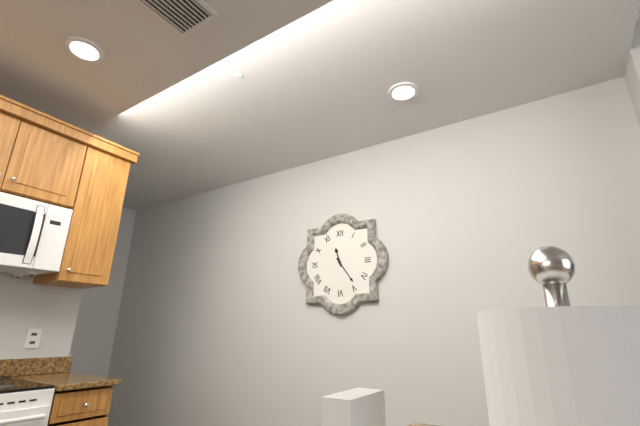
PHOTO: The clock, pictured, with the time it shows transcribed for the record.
11:24
